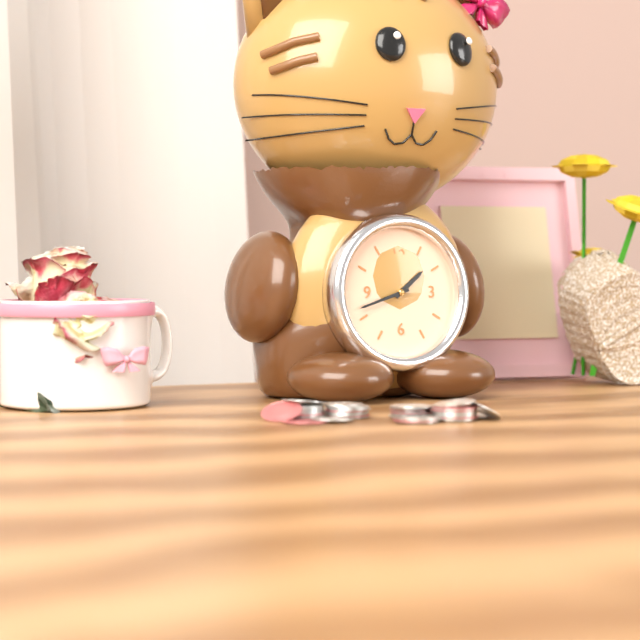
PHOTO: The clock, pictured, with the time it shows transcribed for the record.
1:42
